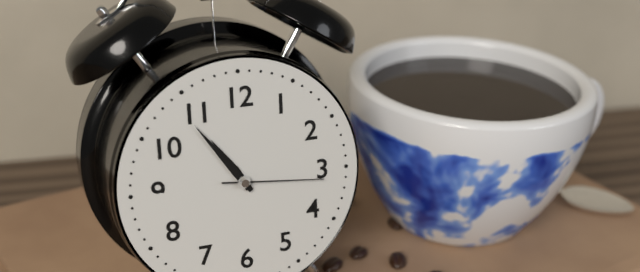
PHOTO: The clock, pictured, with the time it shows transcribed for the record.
10:54:16
